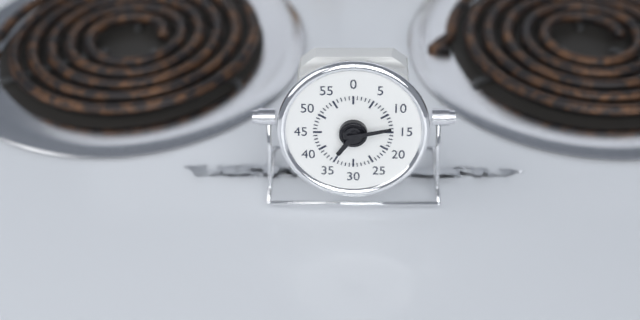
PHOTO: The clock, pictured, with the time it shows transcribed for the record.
7:13
